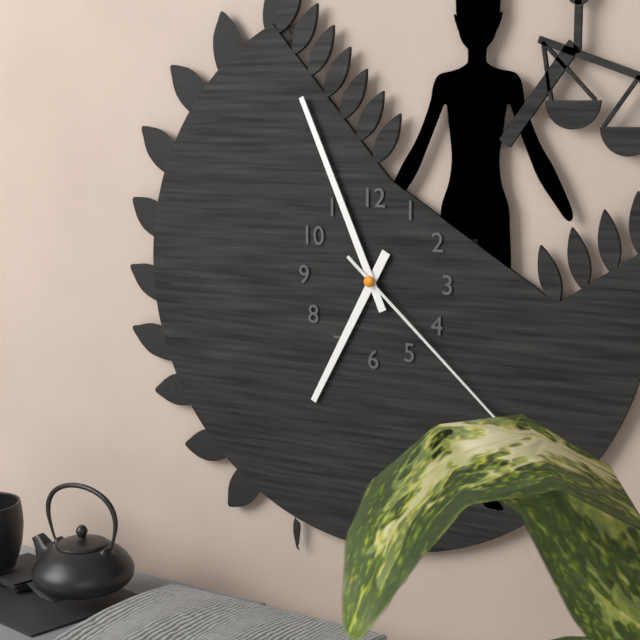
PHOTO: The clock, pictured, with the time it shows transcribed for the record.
6:56:22
